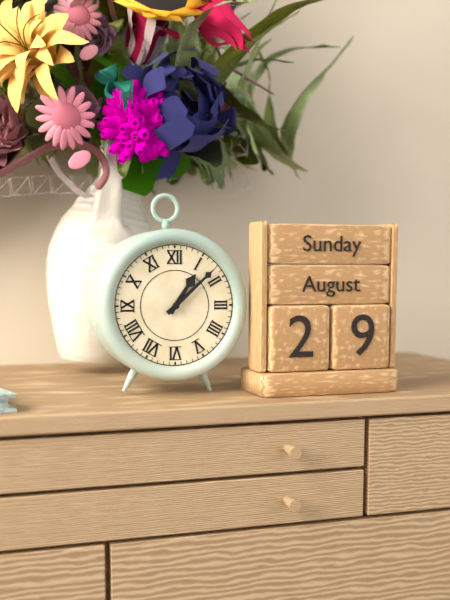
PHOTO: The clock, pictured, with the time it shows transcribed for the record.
1:08
